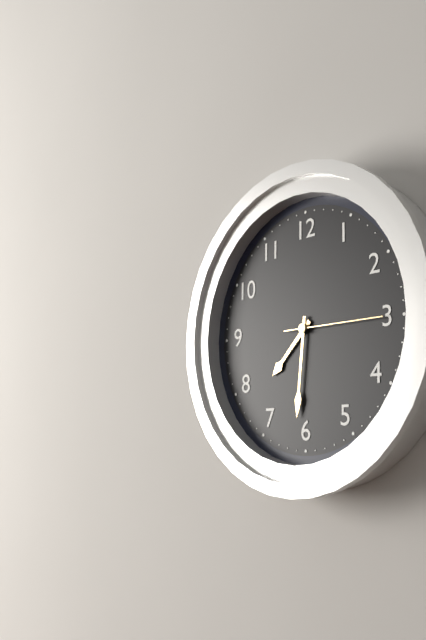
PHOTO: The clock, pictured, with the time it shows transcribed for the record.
7:31:15
